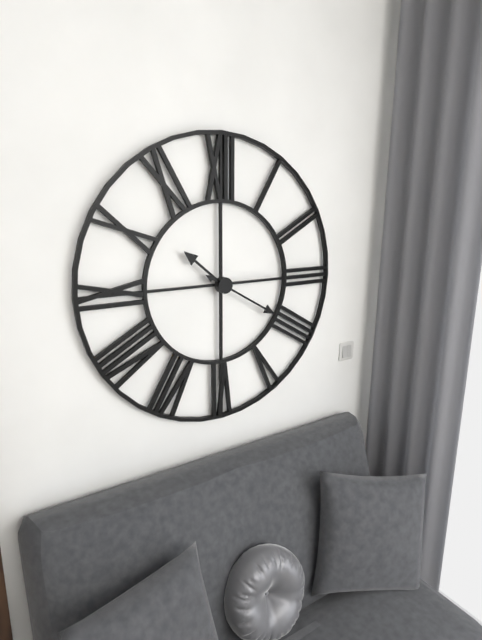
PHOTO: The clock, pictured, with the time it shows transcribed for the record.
10:20
